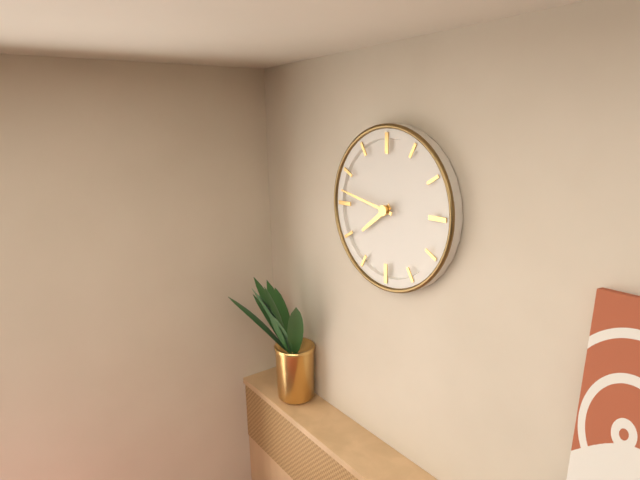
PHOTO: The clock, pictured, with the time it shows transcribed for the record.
7:47
